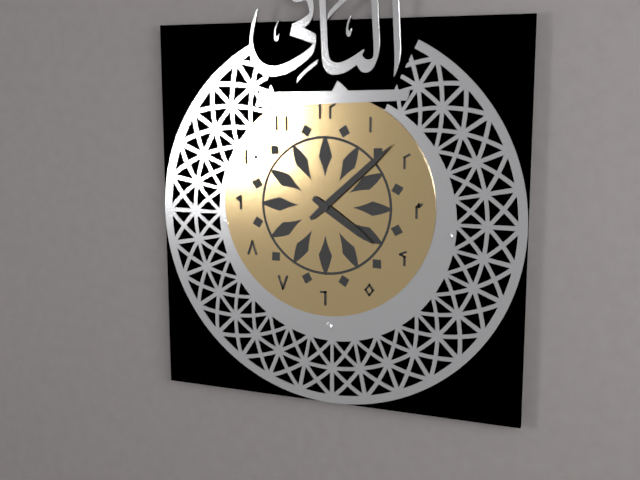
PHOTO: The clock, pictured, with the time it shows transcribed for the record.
4:08
